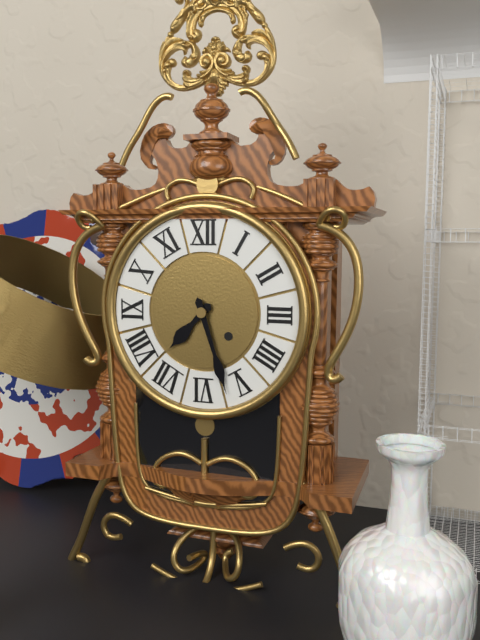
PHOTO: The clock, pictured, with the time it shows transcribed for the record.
7:27
